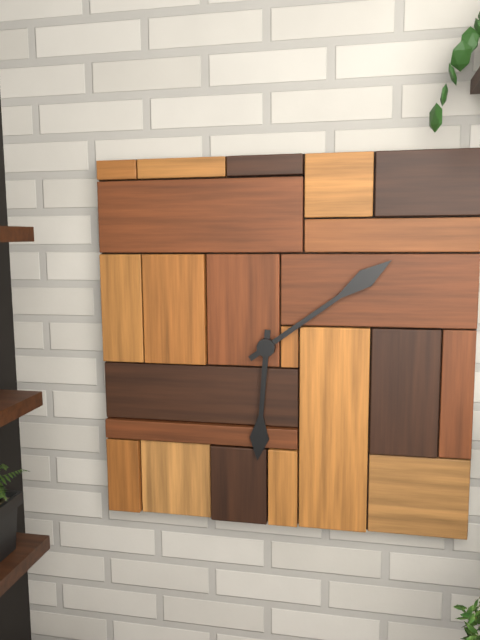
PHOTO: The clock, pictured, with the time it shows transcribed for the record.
6:09
